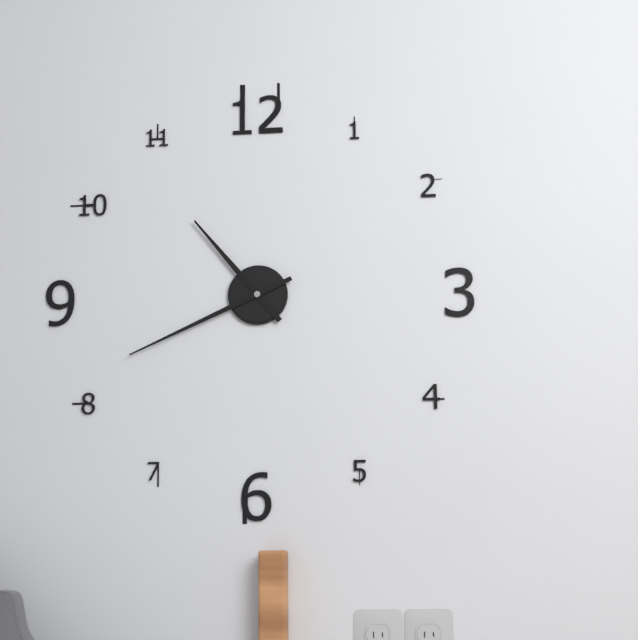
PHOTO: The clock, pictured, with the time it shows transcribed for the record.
10:41
